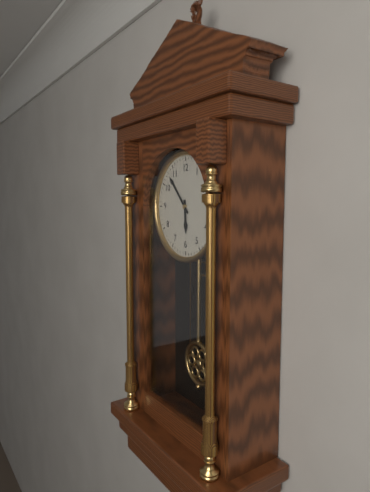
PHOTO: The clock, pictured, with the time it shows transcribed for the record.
5:53
